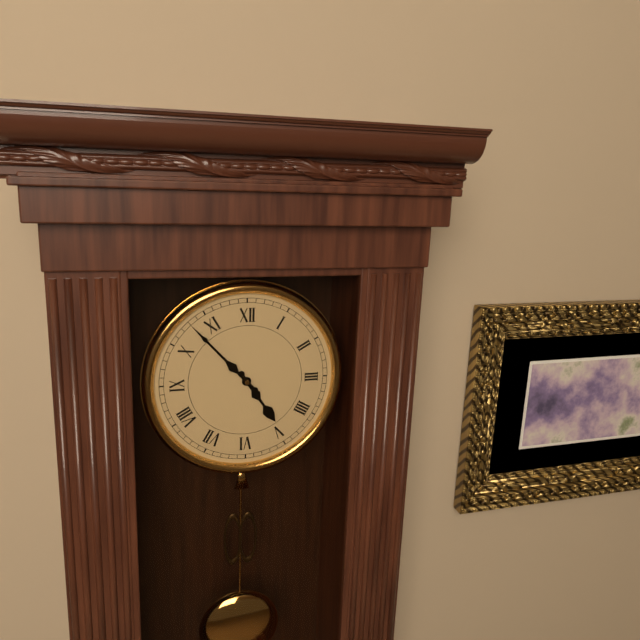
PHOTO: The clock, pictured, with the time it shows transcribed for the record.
4:53
